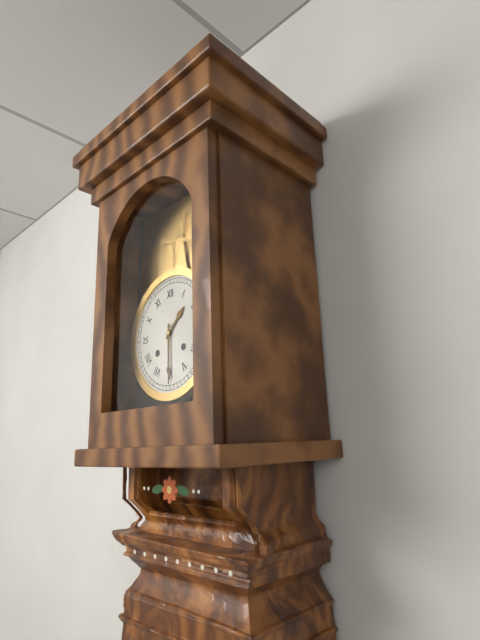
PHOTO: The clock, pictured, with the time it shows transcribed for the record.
1:30
